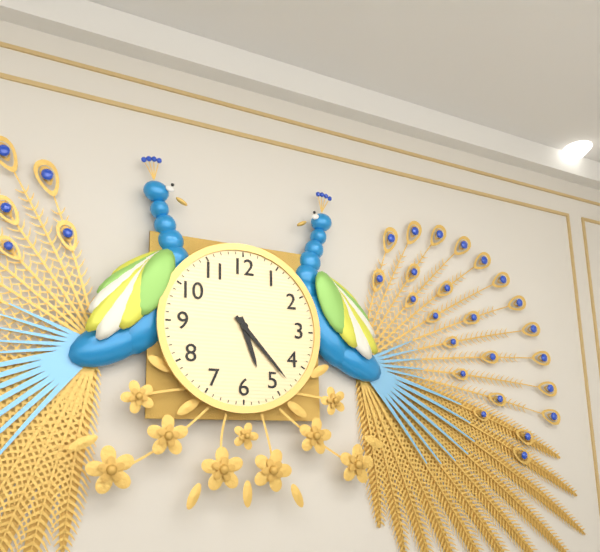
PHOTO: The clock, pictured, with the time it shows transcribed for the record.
5:23
